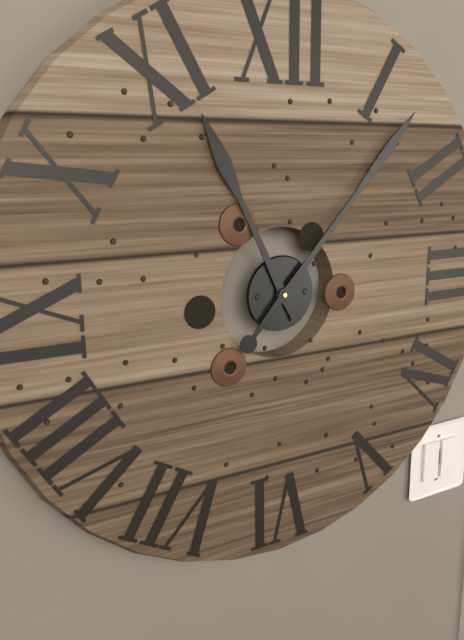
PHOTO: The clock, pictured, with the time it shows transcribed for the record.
11:07
